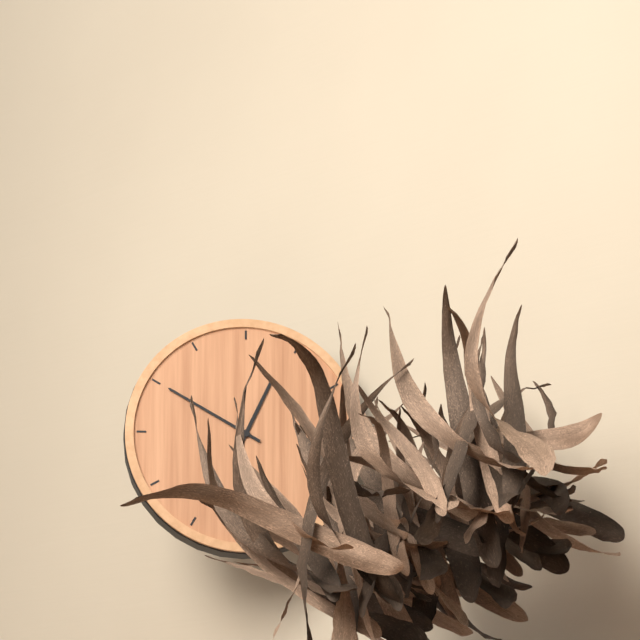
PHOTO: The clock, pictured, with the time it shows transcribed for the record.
12:50
